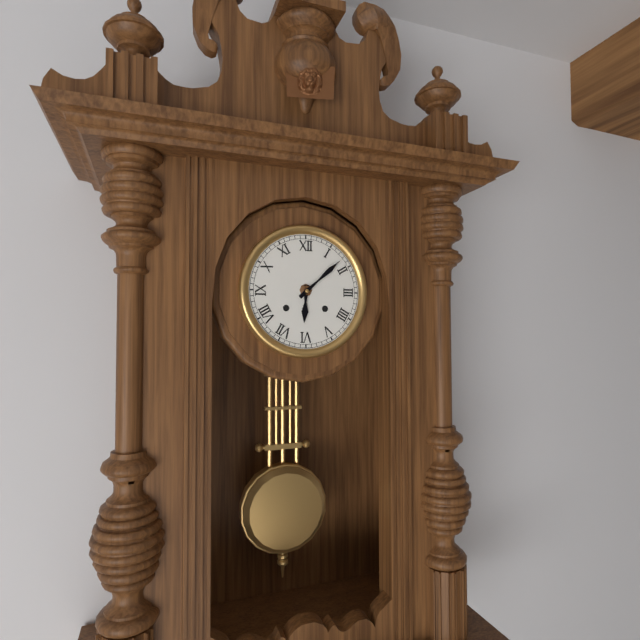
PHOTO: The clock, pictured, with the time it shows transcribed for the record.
6:08
